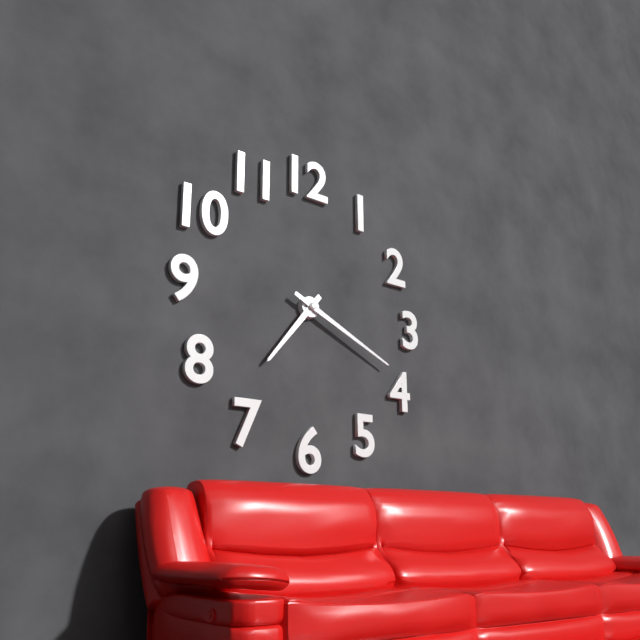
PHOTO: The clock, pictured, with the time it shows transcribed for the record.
7:19
